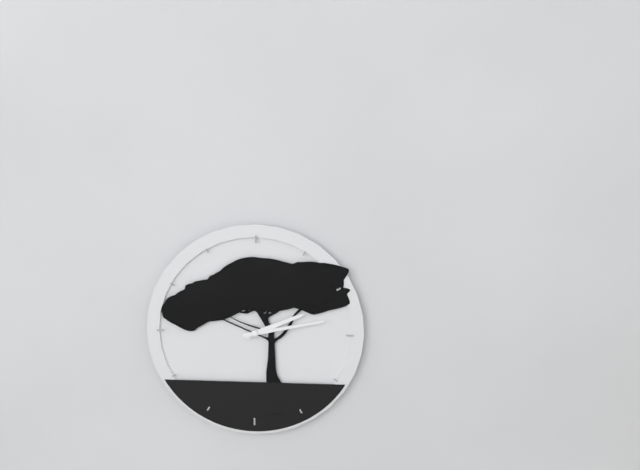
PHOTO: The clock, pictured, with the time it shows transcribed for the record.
2:13
